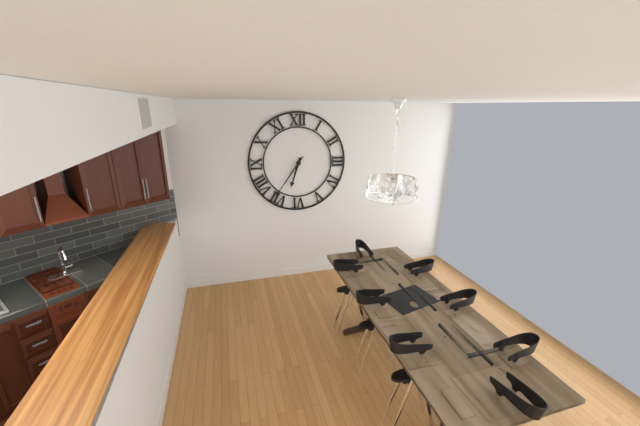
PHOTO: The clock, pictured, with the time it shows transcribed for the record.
6:36
